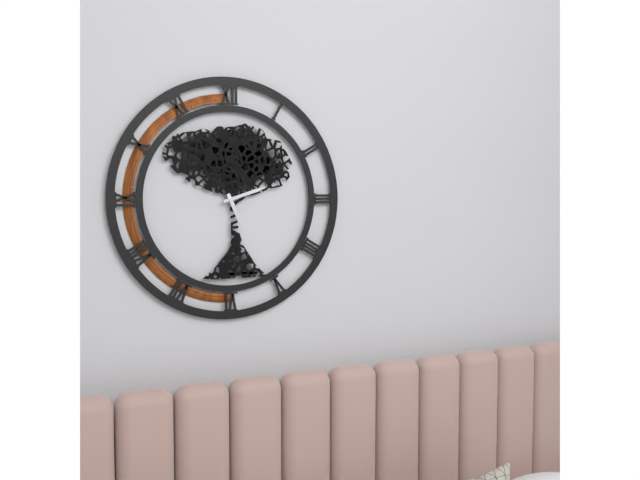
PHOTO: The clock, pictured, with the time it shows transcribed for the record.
5:12
